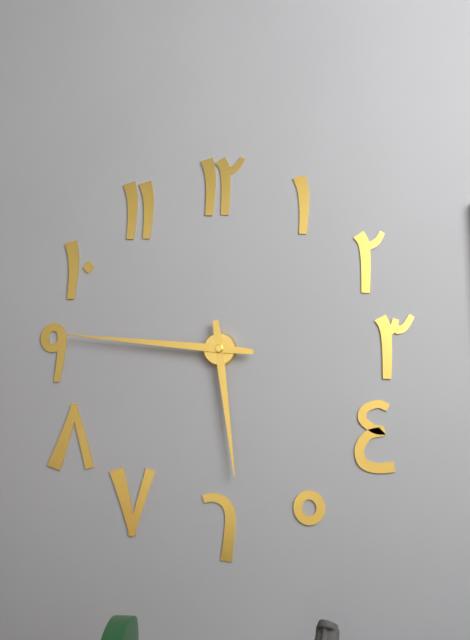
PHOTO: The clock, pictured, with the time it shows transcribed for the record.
5:46
